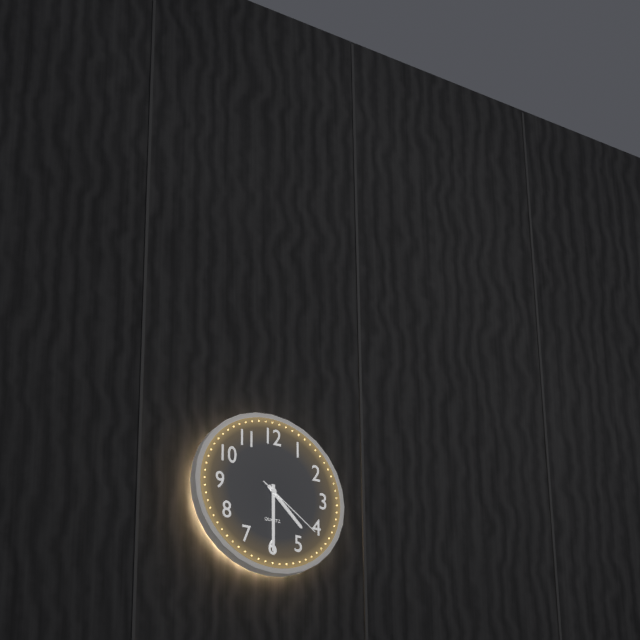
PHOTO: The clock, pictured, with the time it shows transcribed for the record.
4:30:21
